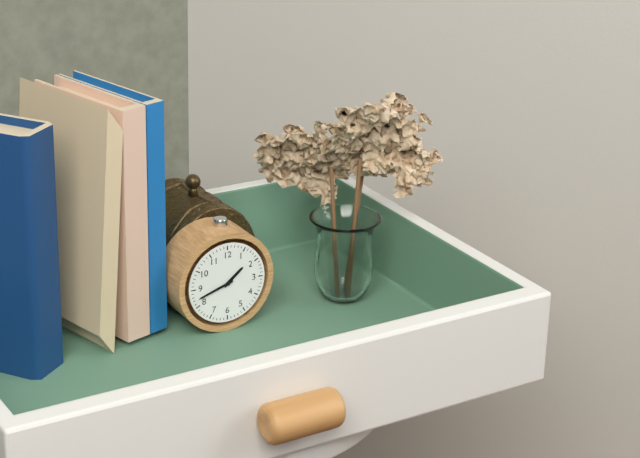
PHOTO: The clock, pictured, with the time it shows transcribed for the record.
1:42
